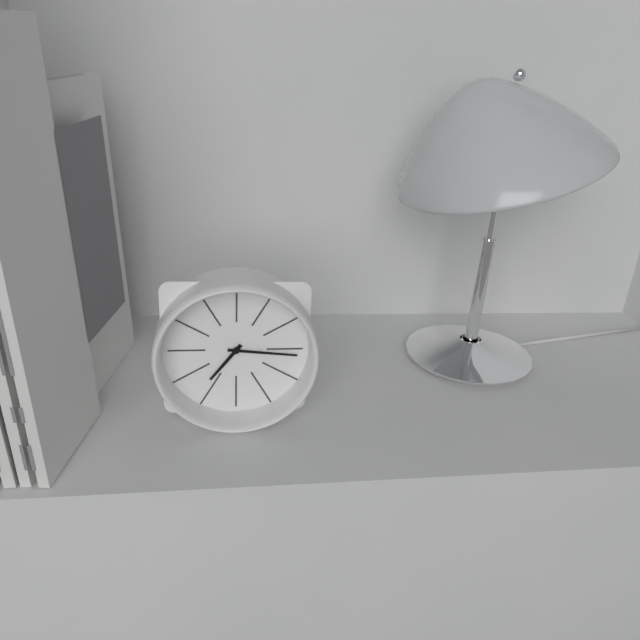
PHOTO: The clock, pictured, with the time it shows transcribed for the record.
7:16
